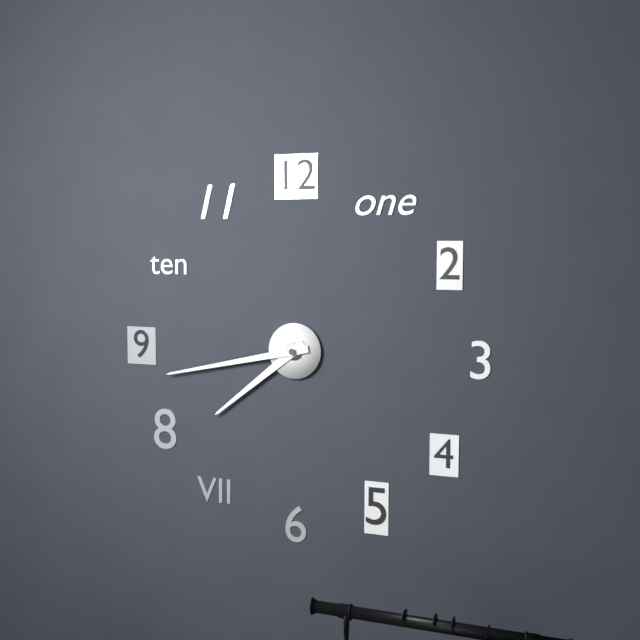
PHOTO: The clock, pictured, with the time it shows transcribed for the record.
7:43
